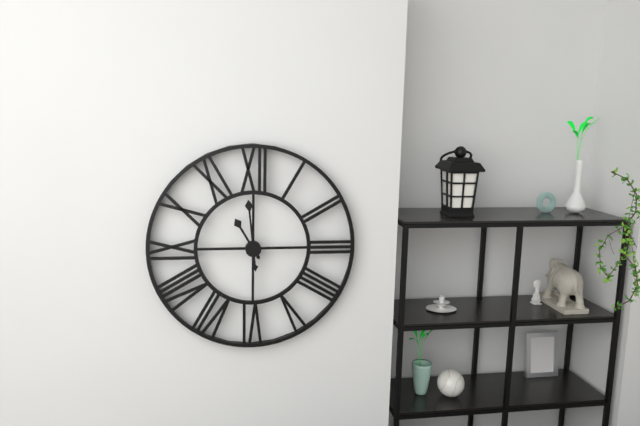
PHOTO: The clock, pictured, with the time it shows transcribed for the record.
10:59
